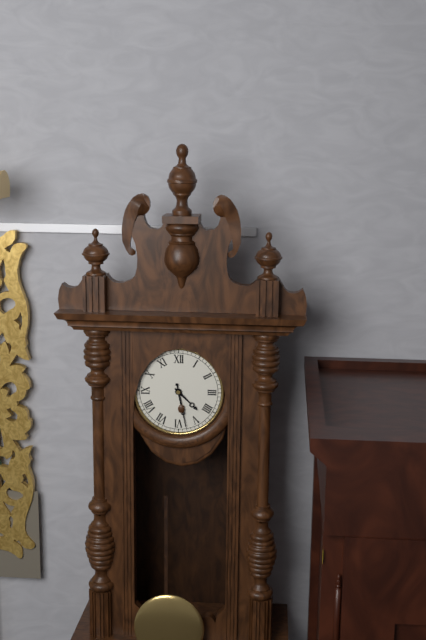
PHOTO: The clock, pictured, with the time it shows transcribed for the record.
4:28
